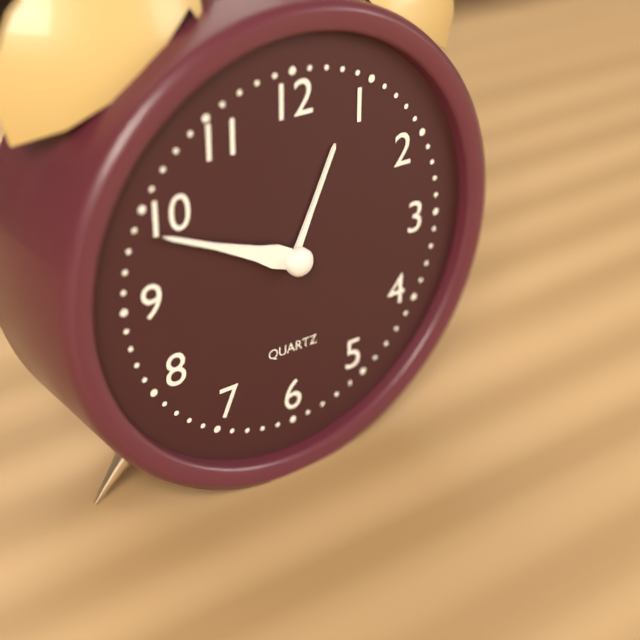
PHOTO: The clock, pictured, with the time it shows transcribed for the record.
12:49
